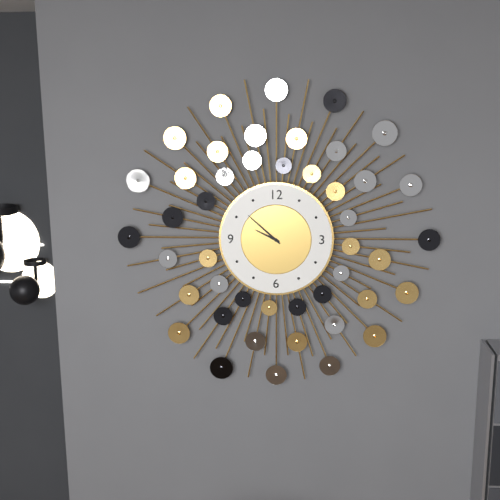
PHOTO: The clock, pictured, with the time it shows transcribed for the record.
9:52
